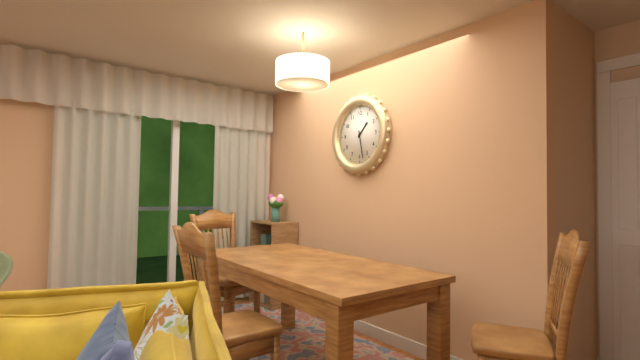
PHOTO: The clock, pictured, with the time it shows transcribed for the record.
1:28
